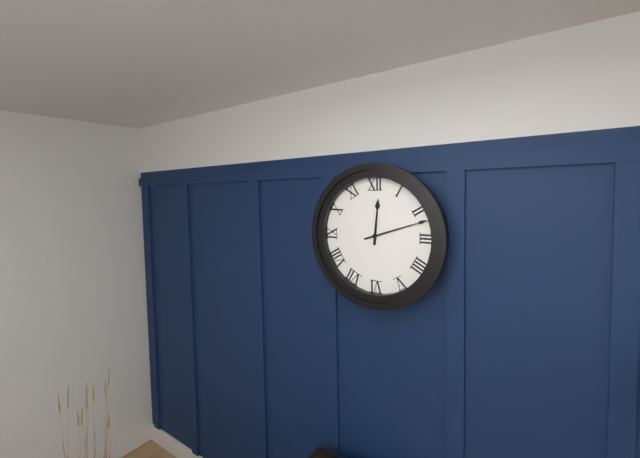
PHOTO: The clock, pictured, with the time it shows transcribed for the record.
12:12
